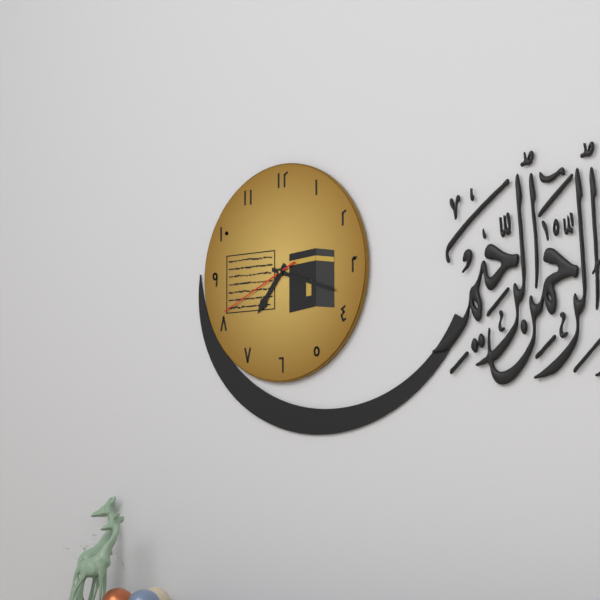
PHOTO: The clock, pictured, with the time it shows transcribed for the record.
7:18:41
